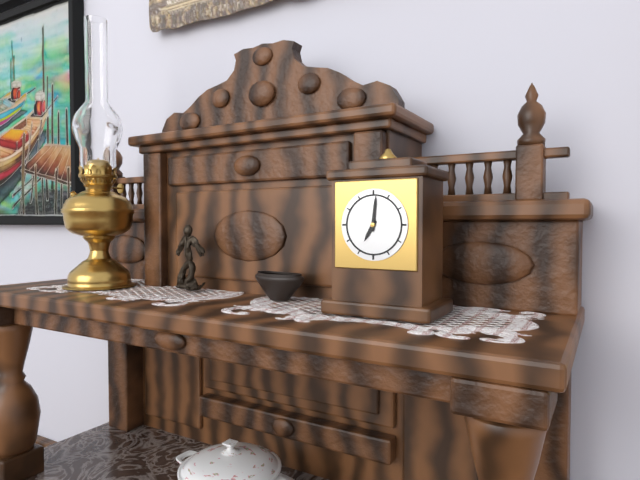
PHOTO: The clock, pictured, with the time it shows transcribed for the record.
7:01
